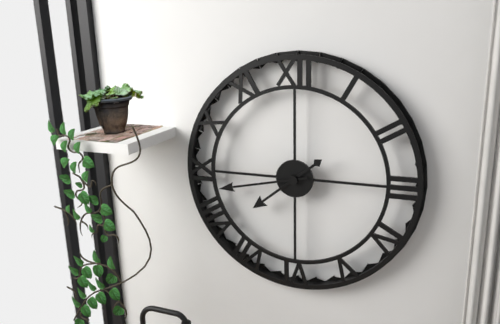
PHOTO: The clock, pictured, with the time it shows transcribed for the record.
7:43
